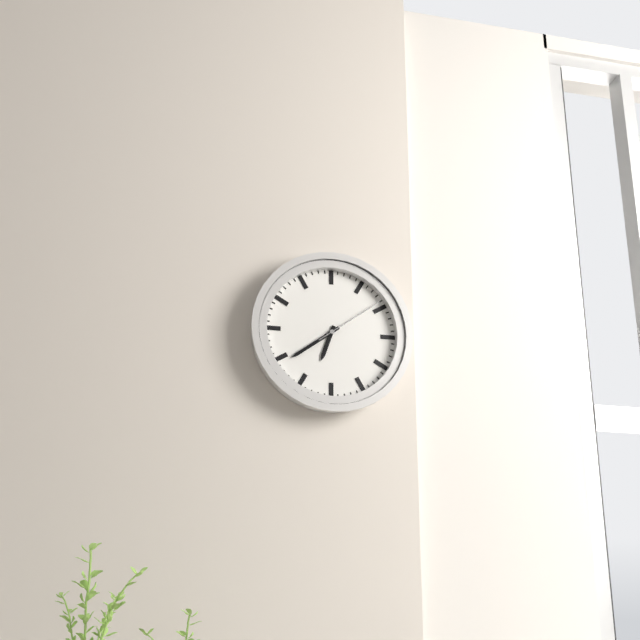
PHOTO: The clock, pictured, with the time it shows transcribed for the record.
6:39:09
